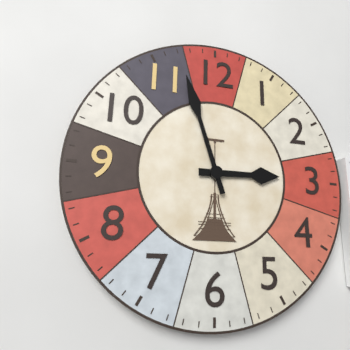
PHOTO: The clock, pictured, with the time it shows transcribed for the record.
2:57
